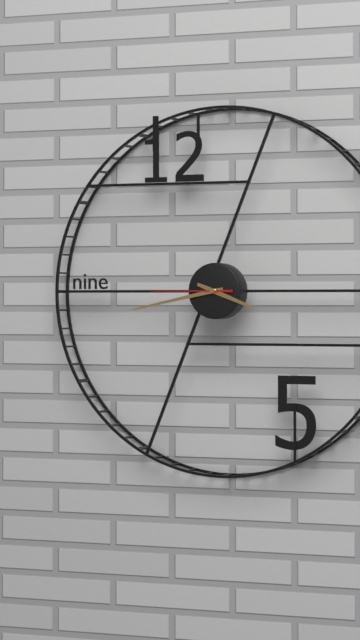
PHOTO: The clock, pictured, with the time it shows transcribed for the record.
3:43:45
